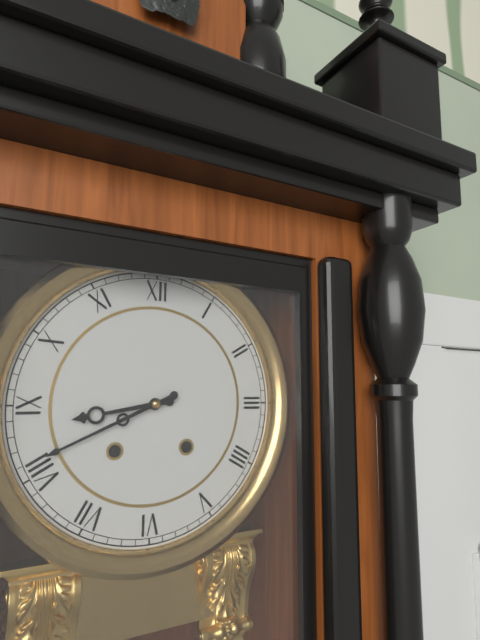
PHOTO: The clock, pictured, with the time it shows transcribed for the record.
8:41
